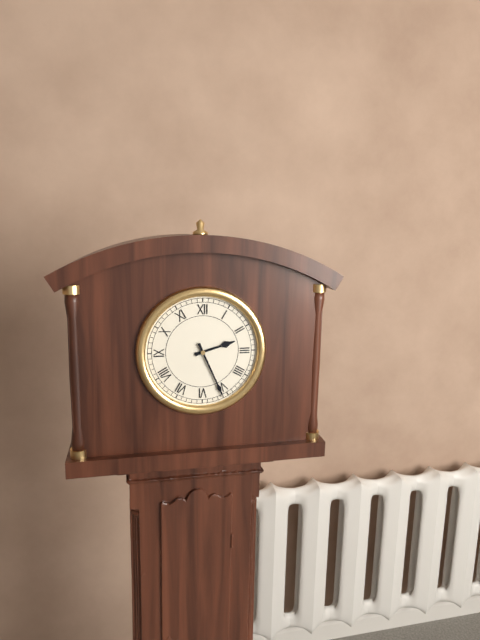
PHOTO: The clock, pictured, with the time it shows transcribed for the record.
2:26
